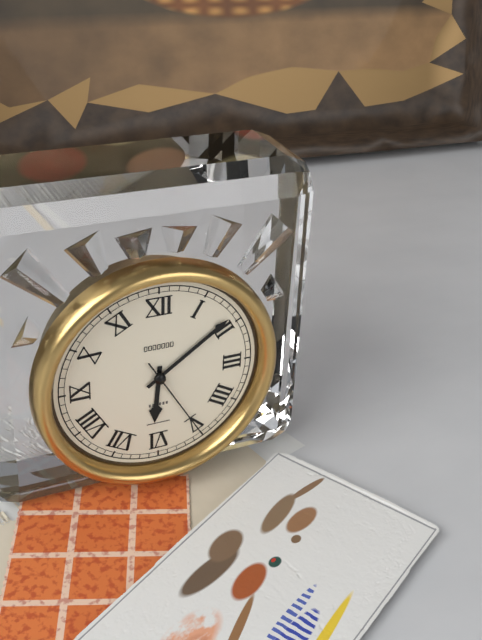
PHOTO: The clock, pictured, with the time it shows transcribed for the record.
6:09:25
